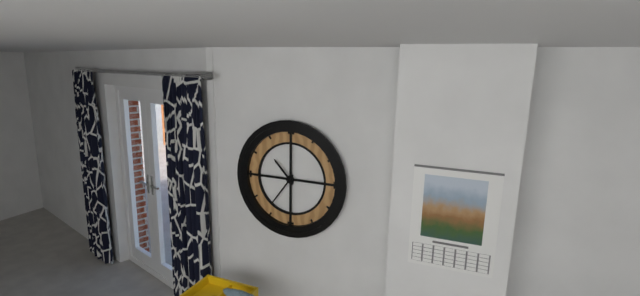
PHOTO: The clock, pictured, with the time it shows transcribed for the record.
10:36
